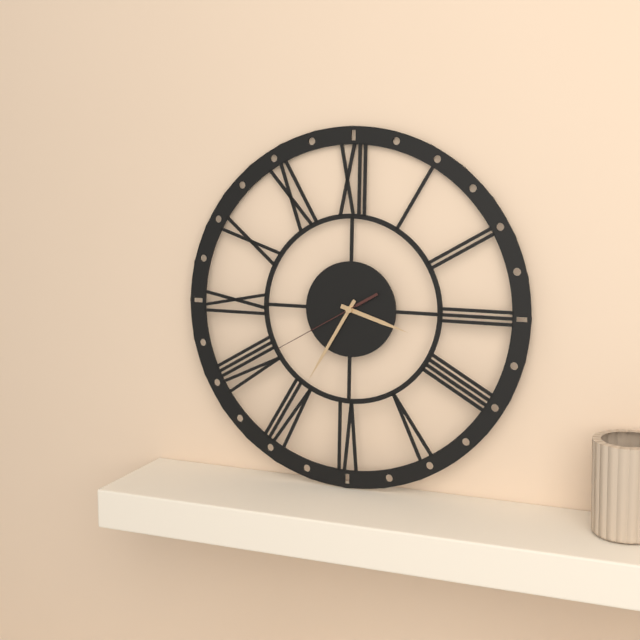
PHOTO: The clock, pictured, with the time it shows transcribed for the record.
3:35:40
